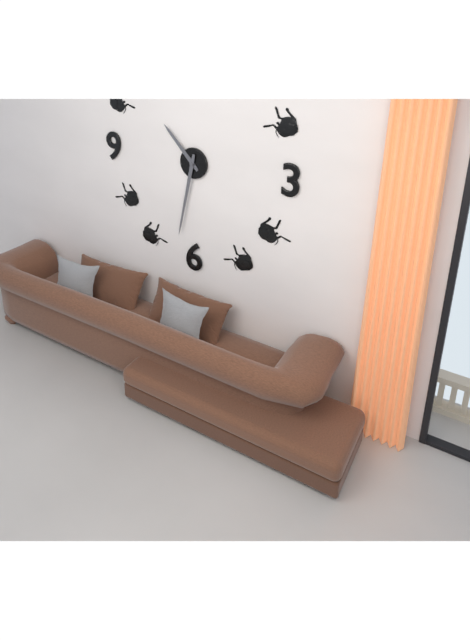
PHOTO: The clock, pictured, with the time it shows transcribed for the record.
10:32
